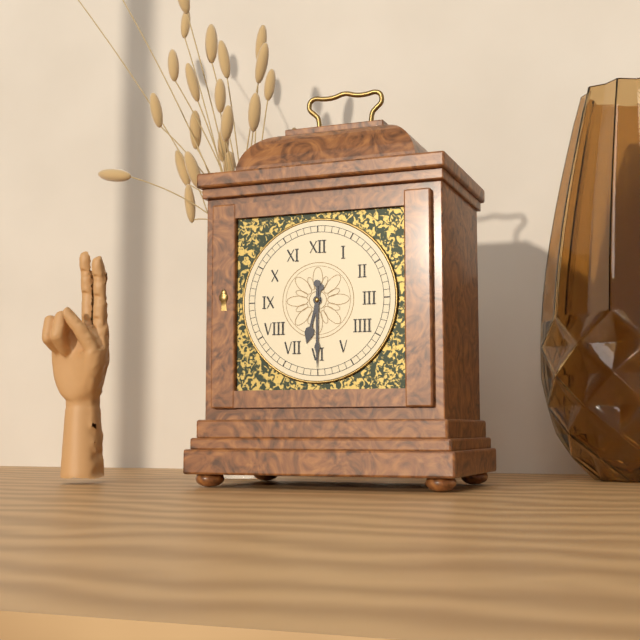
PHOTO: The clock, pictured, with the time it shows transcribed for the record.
6:30
